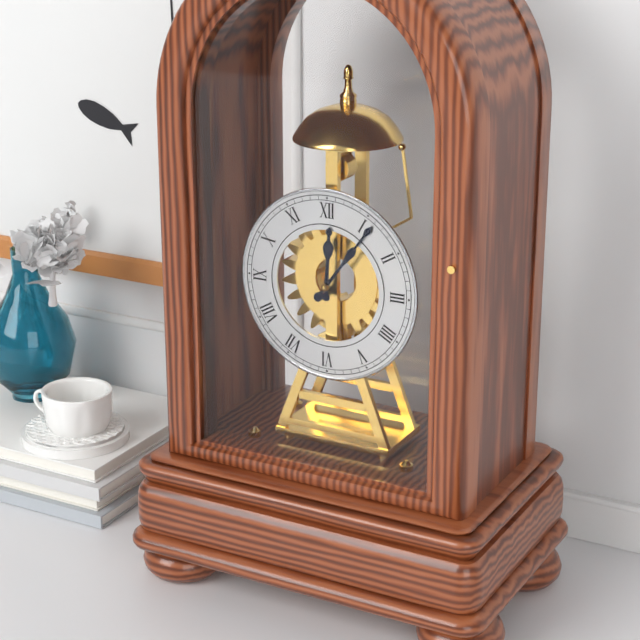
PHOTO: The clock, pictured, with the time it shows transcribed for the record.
12:06
